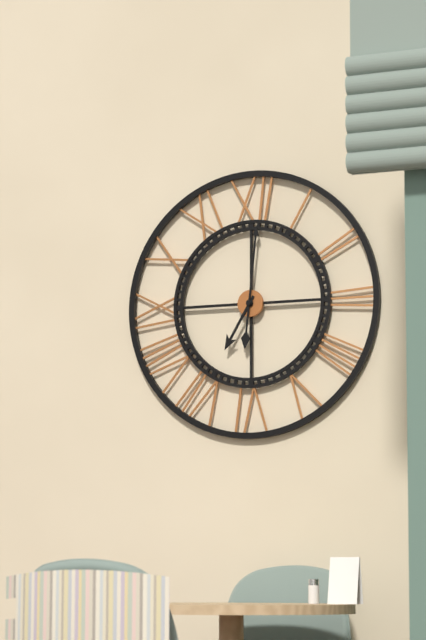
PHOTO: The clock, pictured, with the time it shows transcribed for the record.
7:01
